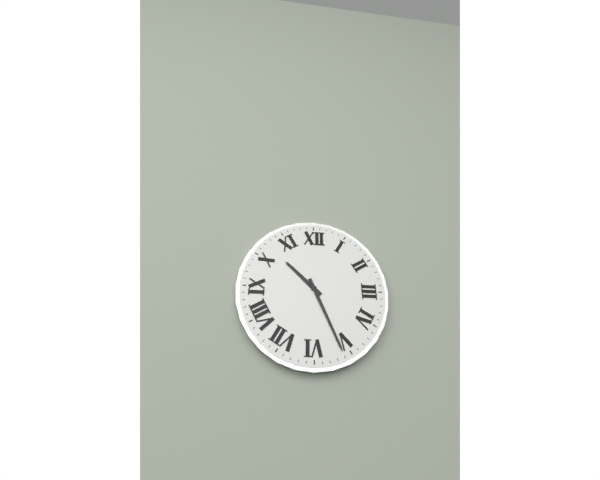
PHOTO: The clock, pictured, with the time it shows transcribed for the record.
10:26
